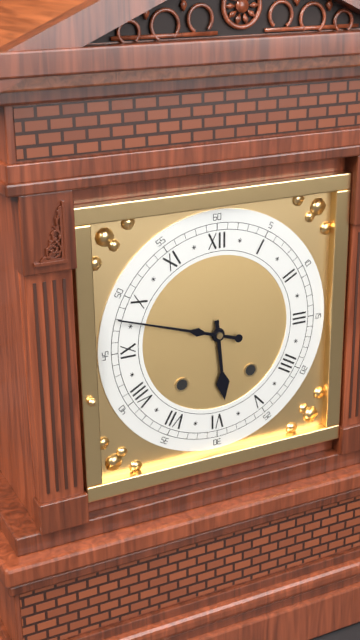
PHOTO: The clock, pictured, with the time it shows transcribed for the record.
5:48
